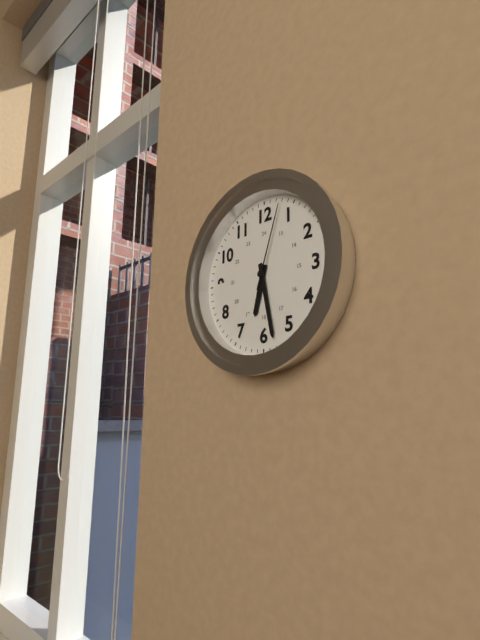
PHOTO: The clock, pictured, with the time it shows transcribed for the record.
6:28:03
